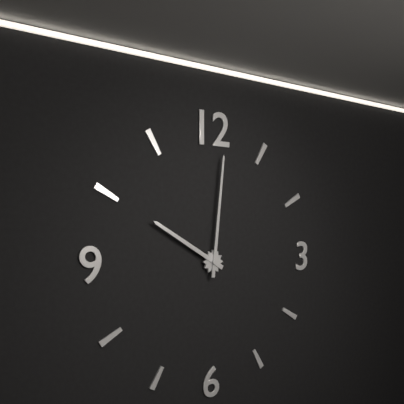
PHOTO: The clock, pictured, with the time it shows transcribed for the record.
10:01
